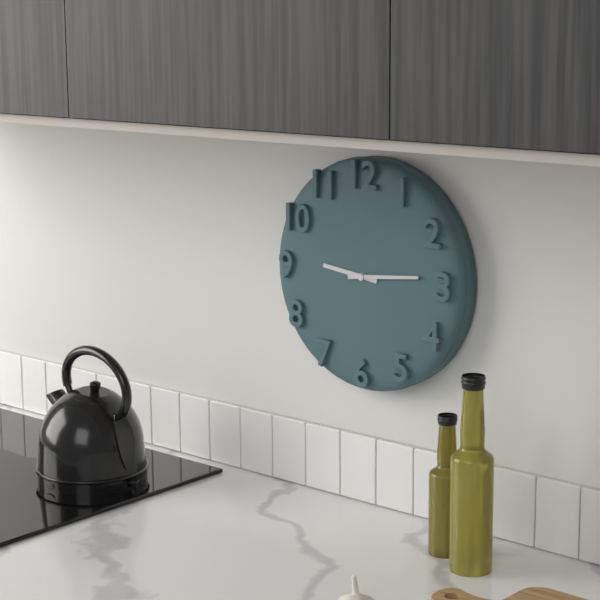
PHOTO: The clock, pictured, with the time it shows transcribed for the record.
9:14
